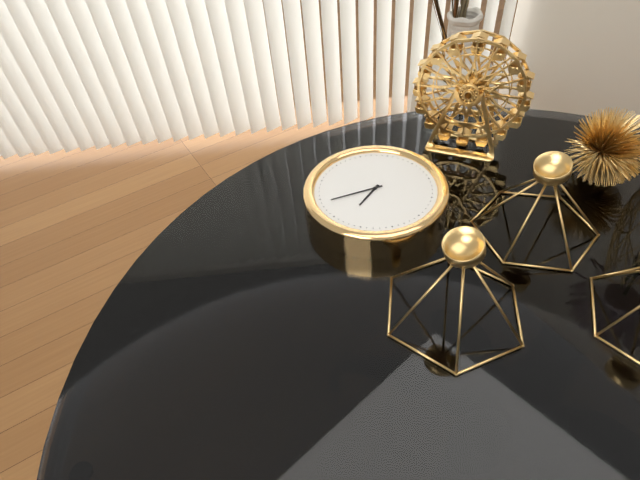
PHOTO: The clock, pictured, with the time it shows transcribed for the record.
5:34
